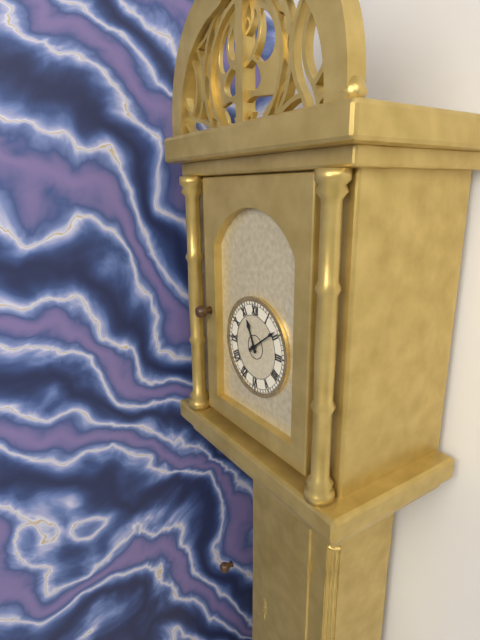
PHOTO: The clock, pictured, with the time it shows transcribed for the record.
11:09
